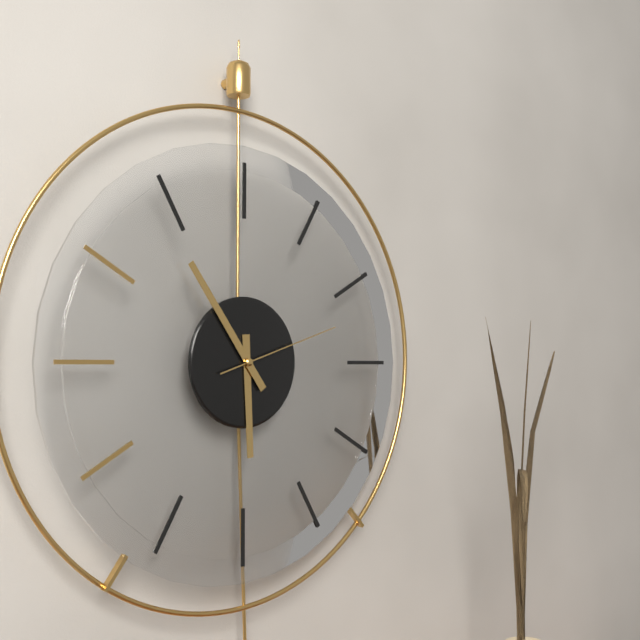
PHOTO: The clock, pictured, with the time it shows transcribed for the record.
5:54:12
